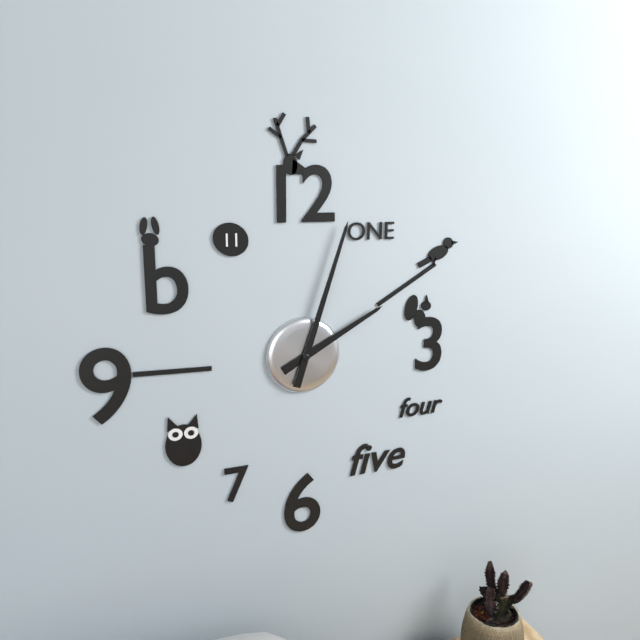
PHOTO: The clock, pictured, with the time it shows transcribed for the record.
2:03
